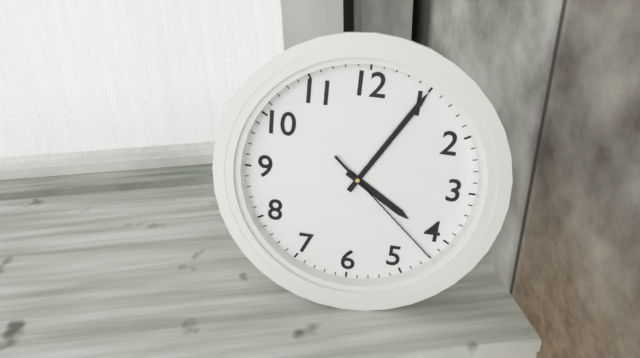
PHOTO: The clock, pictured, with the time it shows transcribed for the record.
4:05:22
